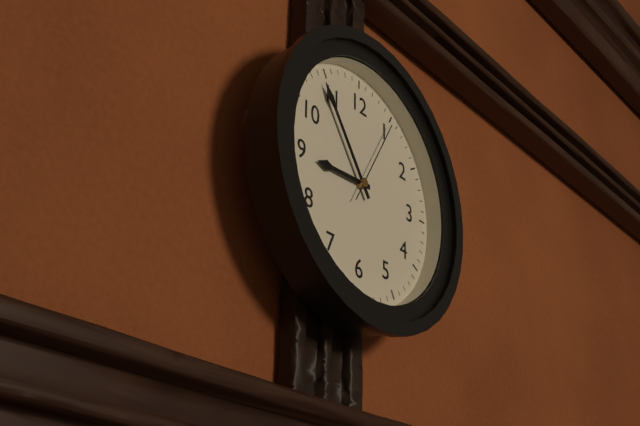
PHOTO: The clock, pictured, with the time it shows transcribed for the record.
8:54:05
